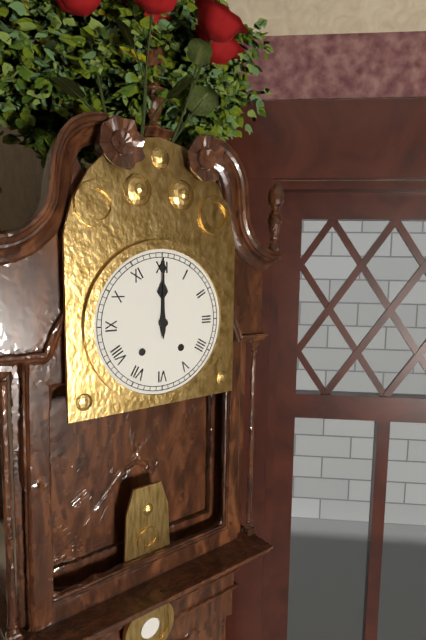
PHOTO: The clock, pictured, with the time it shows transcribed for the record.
12:00
